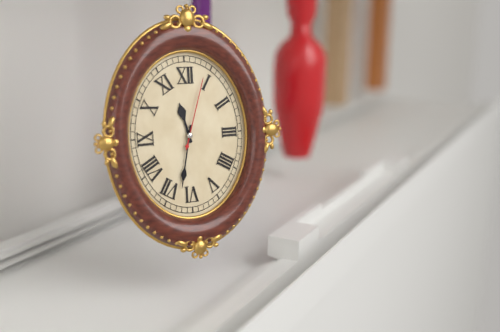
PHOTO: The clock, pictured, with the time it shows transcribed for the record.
11:32:03
